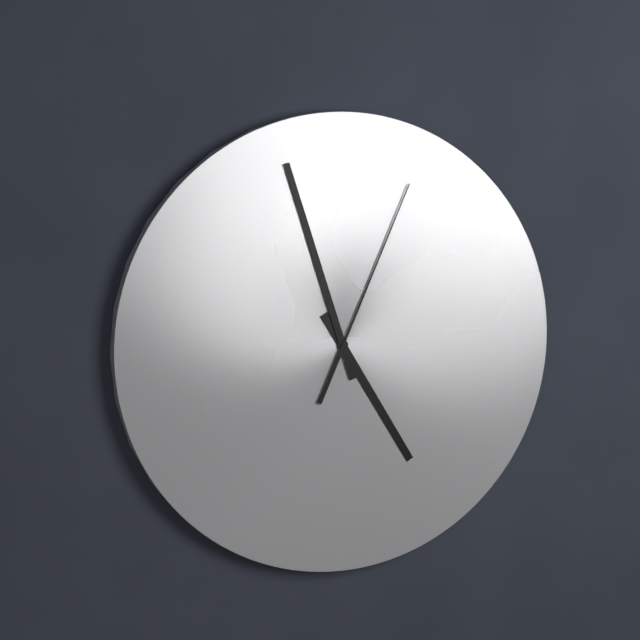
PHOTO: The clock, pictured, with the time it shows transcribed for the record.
4:57:04
